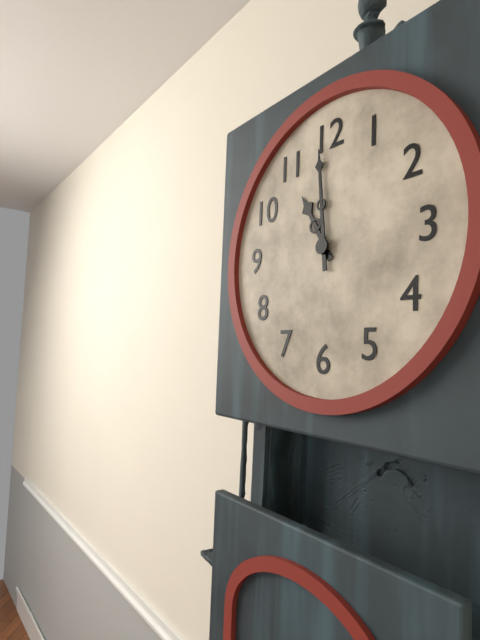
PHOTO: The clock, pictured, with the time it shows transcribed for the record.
10:59
